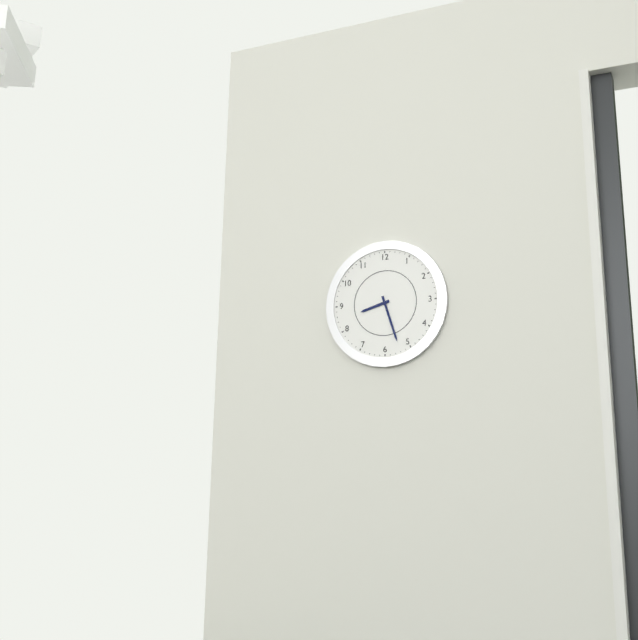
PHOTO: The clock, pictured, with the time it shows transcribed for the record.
8:27
